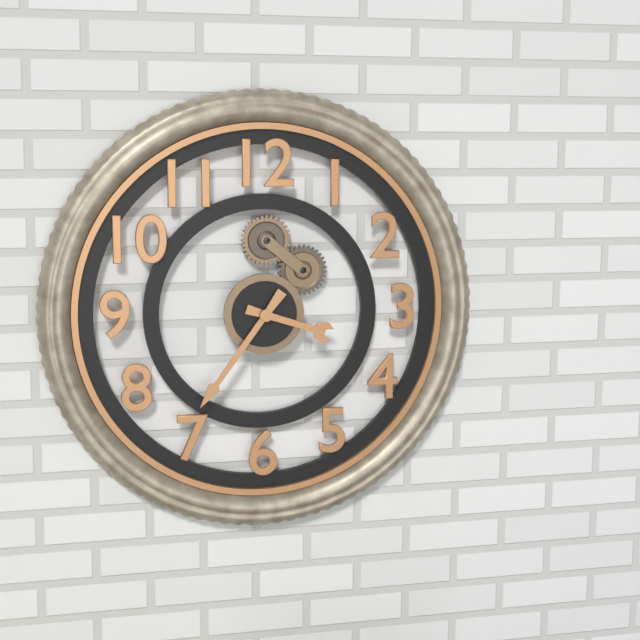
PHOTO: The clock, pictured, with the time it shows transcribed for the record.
3:36
